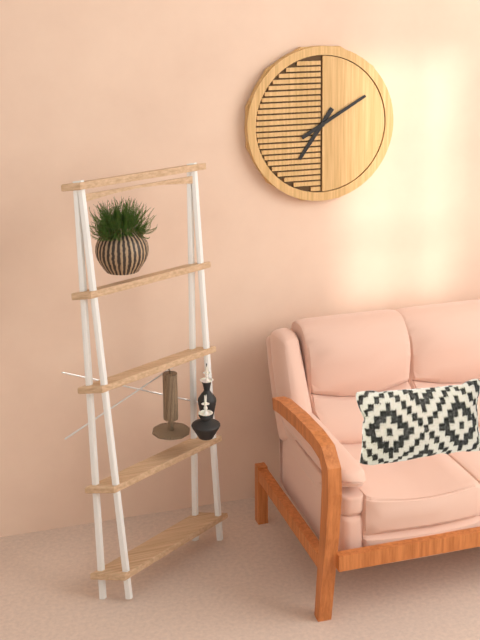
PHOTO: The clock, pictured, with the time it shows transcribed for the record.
7:10
